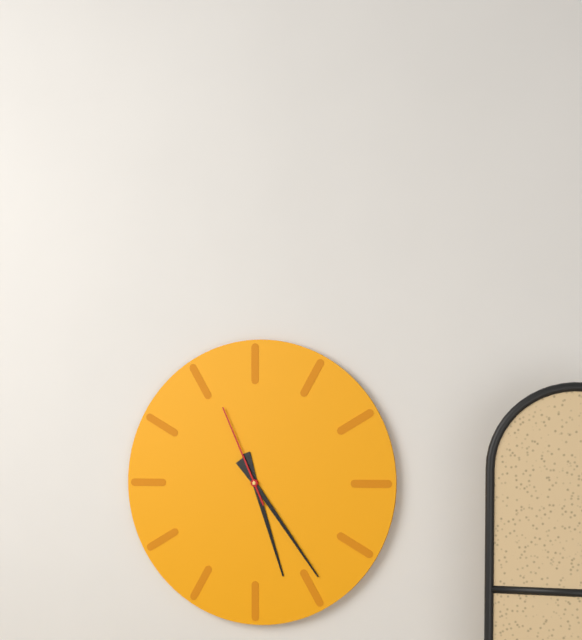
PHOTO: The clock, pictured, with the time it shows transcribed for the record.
5:24:56
